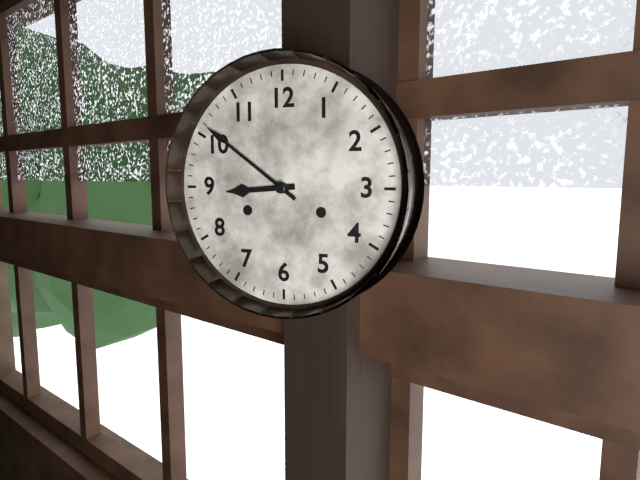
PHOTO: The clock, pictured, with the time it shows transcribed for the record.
8:51
